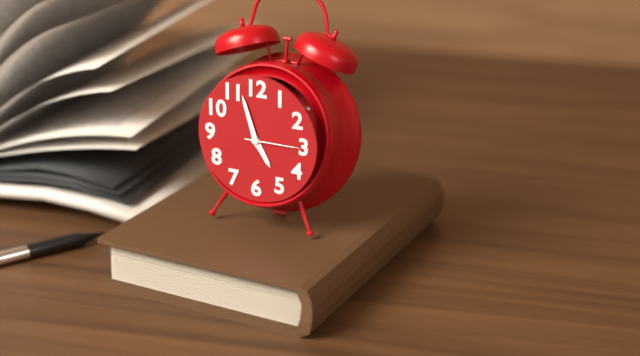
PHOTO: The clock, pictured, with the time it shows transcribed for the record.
4:57:15
